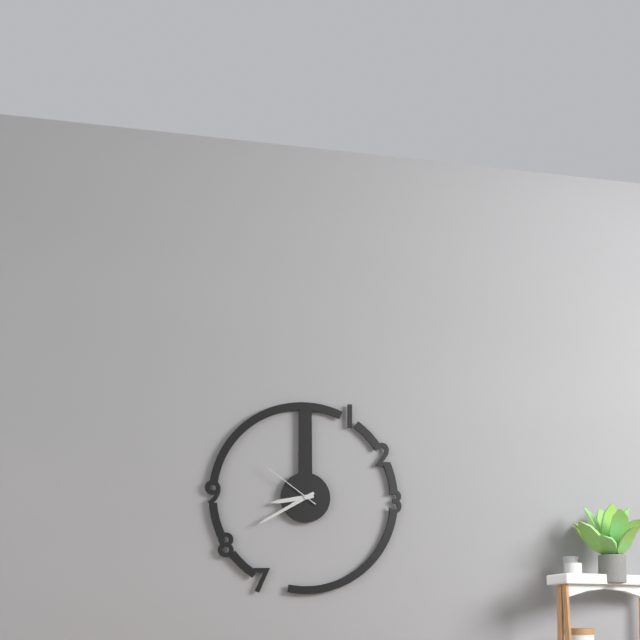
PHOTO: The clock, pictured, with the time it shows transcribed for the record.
8:40:51
